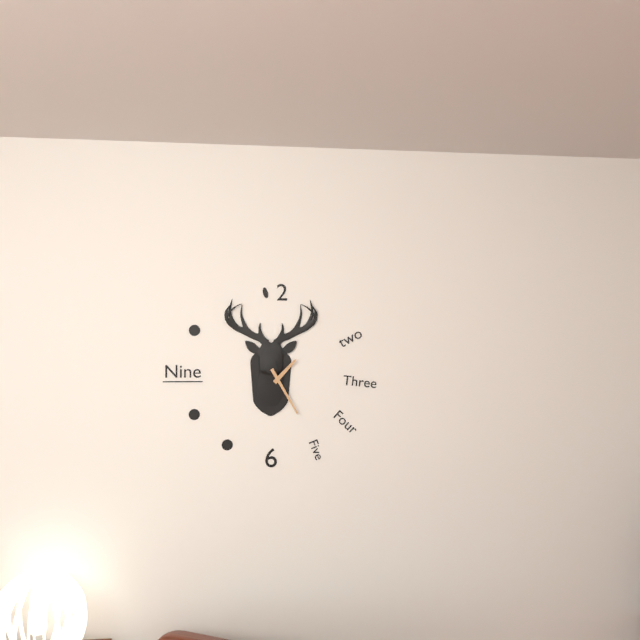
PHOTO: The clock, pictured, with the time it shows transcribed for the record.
1:25
